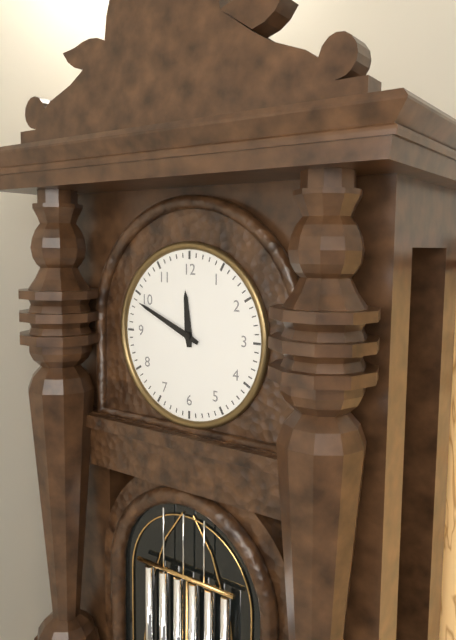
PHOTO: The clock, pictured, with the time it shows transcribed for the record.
11:49
